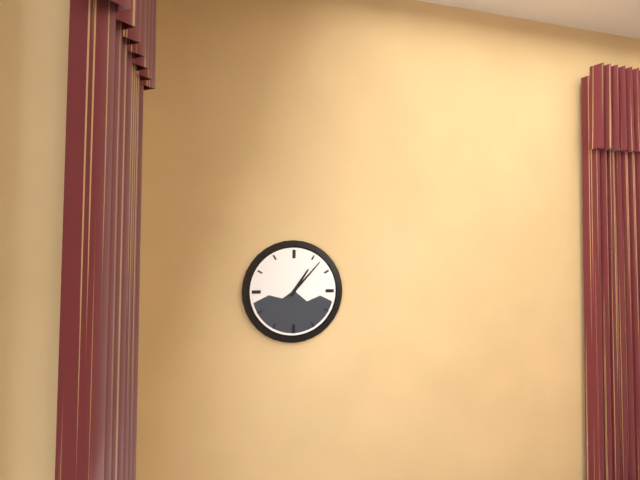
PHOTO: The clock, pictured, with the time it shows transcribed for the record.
1:07
